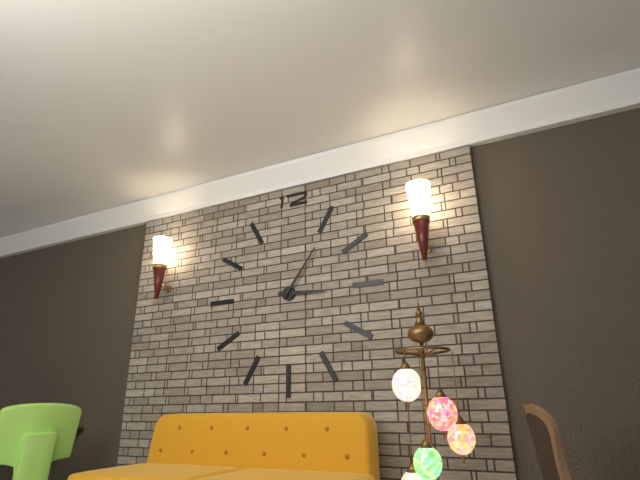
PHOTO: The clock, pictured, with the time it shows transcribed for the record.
3:06
